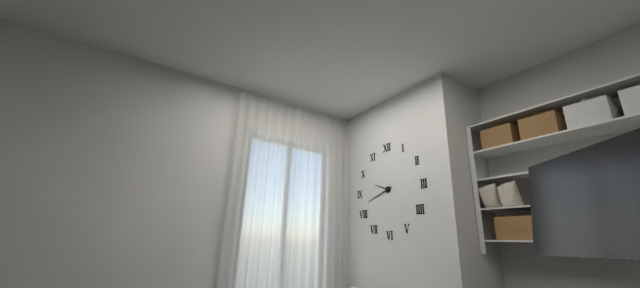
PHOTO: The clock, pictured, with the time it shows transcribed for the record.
9:42
